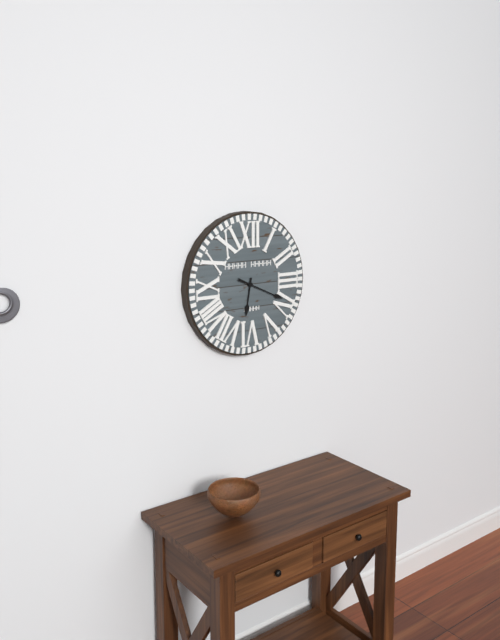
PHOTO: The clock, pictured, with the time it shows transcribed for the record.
6:19
